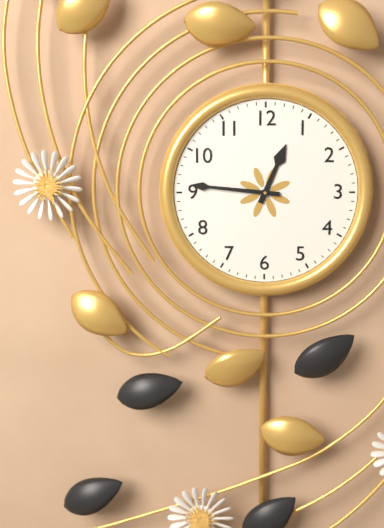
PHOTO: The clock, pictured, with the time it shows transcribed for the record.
12:46
